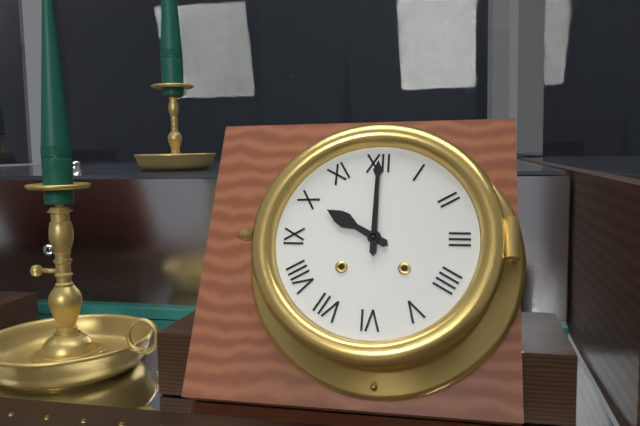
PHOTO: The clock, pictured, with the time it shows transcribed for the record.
10:00
